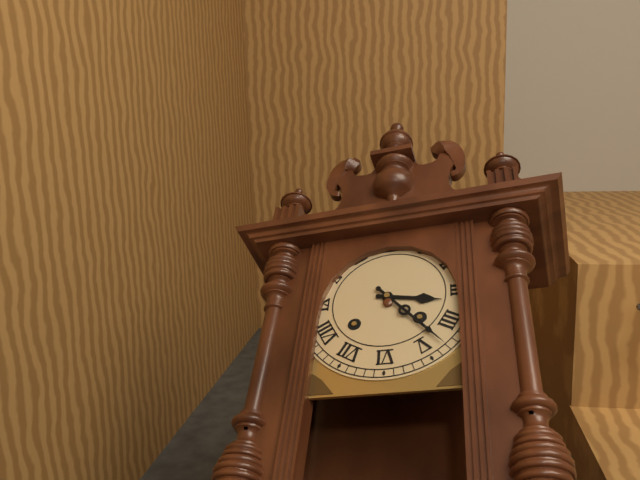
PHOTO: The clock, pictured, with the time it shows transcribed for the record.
3:23
